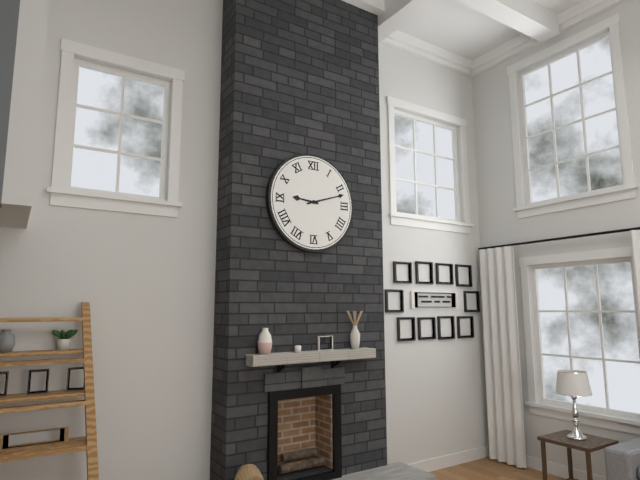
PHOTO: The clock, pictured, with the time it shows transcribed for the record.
9:12
